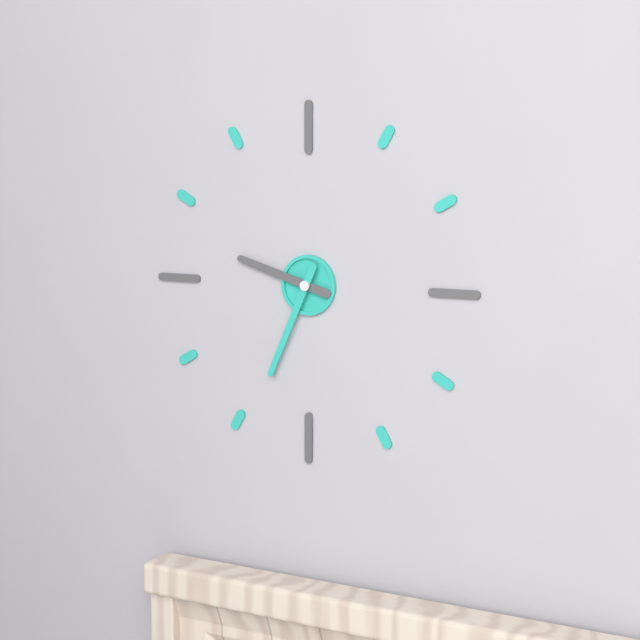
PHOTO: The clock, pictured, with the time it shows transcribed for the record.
9:34
